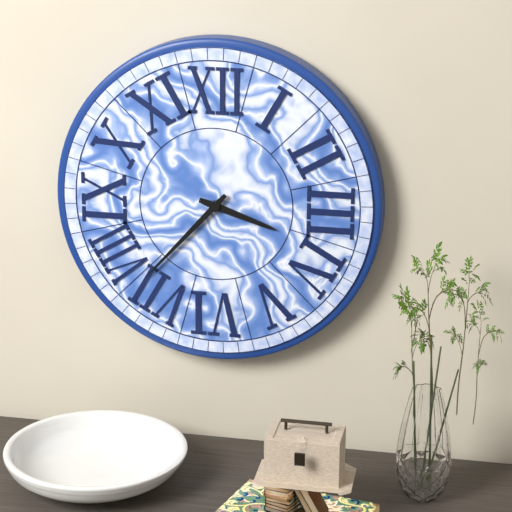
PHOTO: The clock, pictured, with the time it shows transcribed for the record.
3:37
